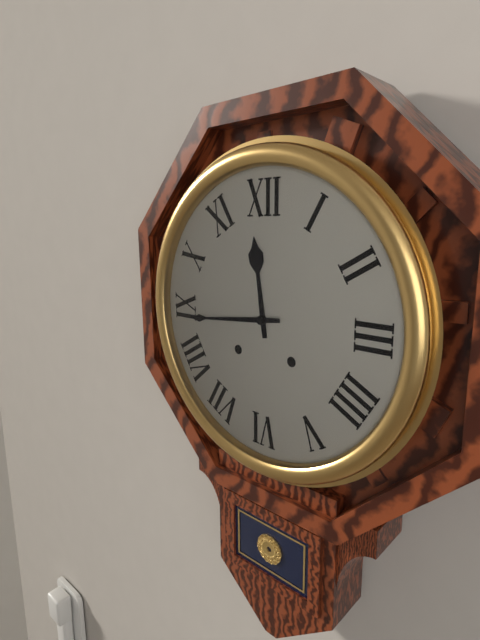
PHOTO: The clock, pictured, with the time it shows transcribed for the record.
11:44
